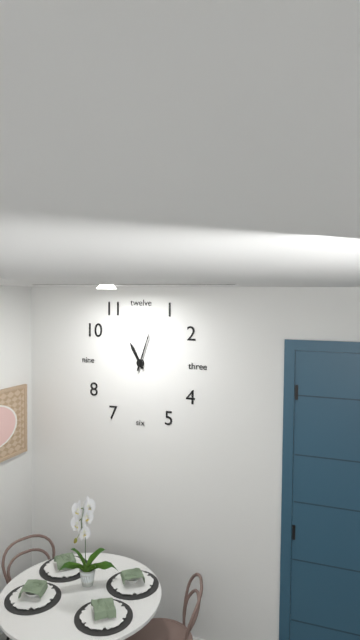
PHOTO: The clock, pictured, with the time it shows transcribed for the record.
11:03
